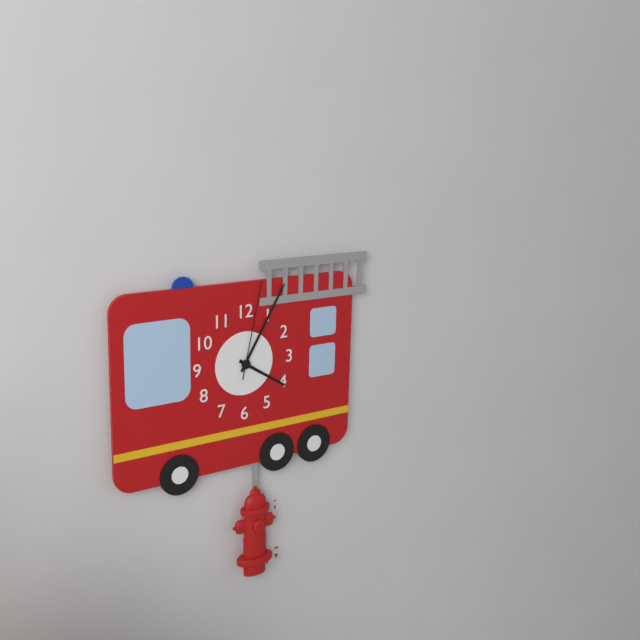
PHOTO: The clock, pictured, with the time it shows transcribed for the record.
4:05:02
